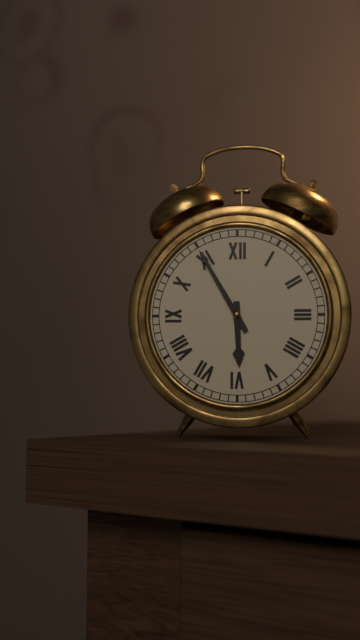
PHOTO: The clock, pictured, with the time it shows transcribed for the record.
5:55
